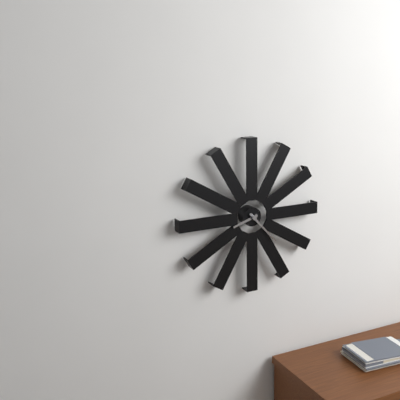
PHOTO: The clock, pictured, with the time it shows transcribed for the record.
8:23
